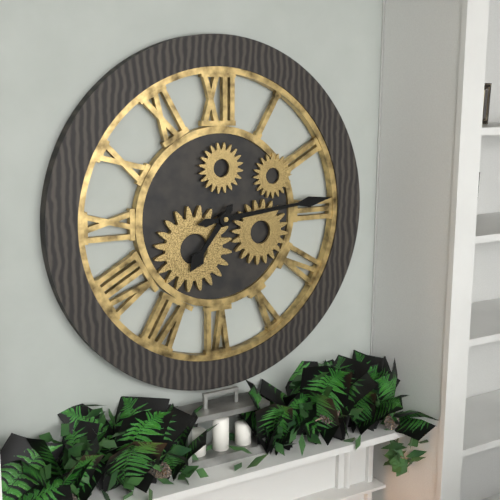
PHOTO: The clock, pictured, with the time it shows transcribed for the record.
7:14
